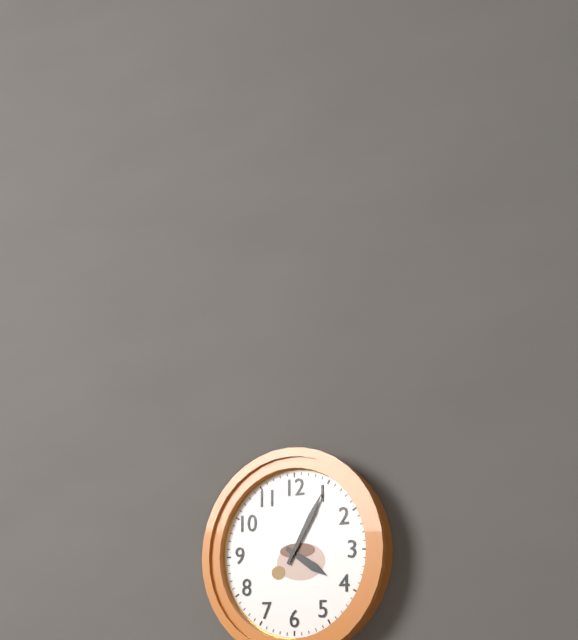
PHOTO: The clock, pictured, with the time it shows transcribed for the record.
4:05
